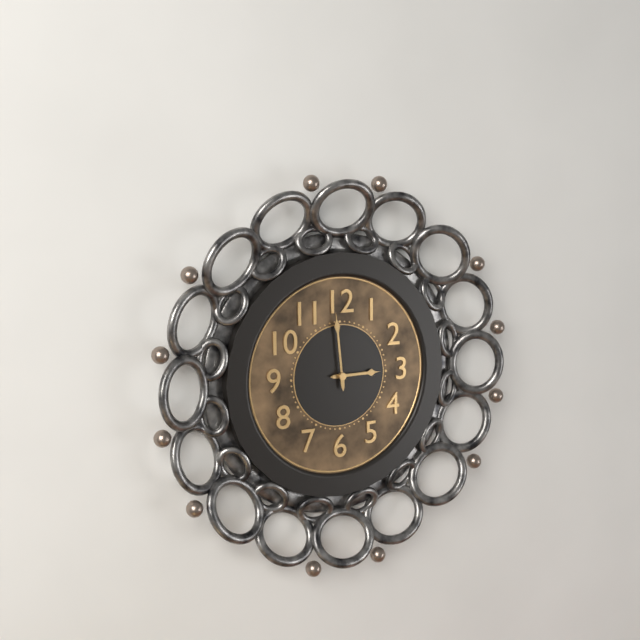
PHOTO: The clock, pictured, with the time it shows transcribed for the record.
2:59
